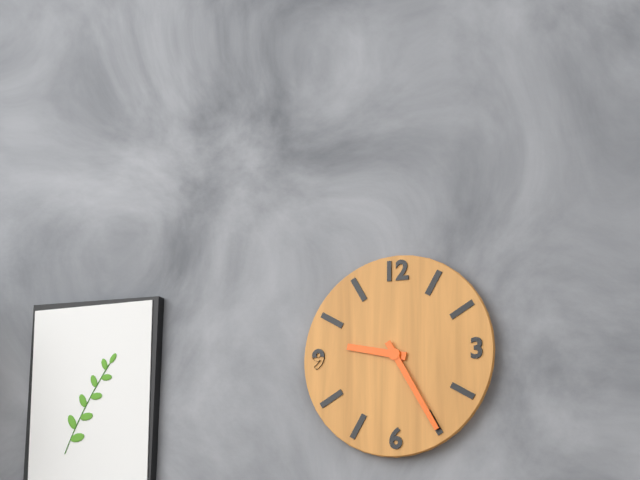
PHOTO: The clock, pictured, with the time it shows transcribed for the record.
9:25
